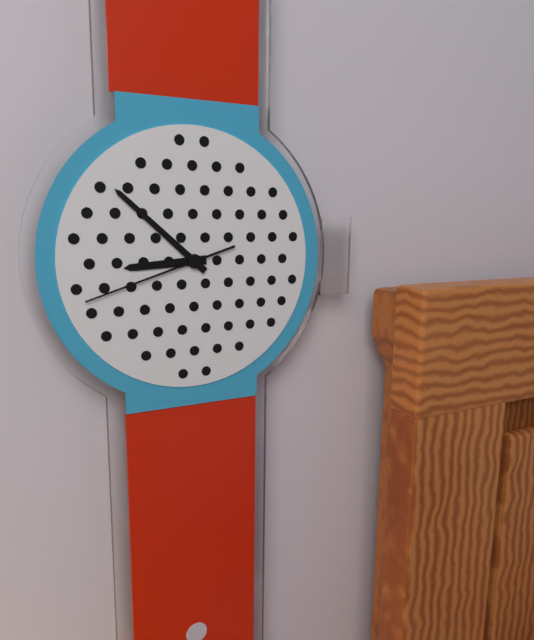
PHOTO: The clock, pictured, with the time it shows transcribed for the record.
8:52:42
